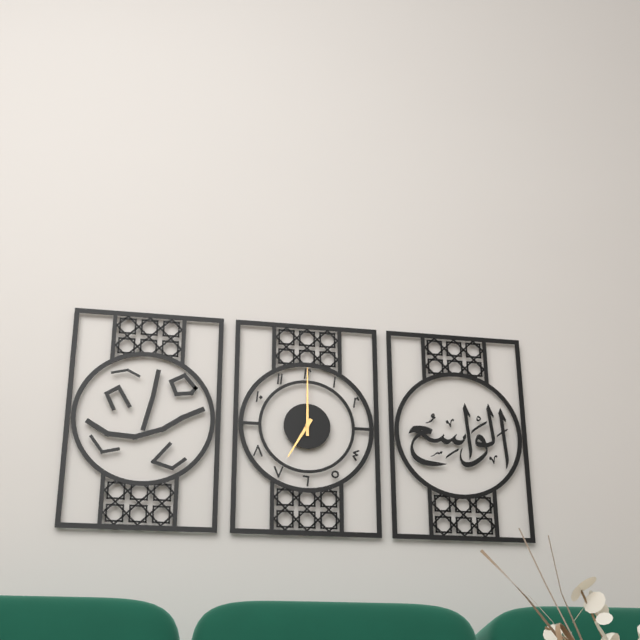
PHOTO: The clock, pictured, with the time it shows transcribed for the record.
7:00
